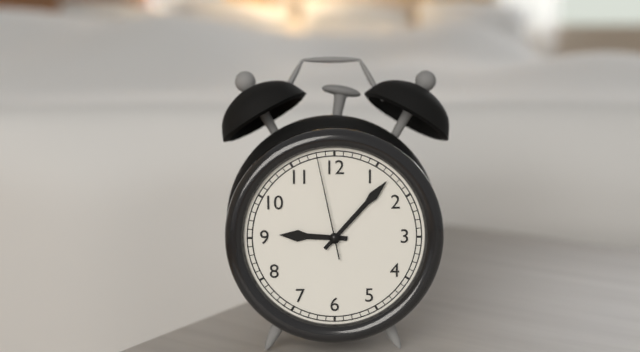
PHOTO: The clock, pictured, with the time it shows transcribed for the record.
9:07:58
